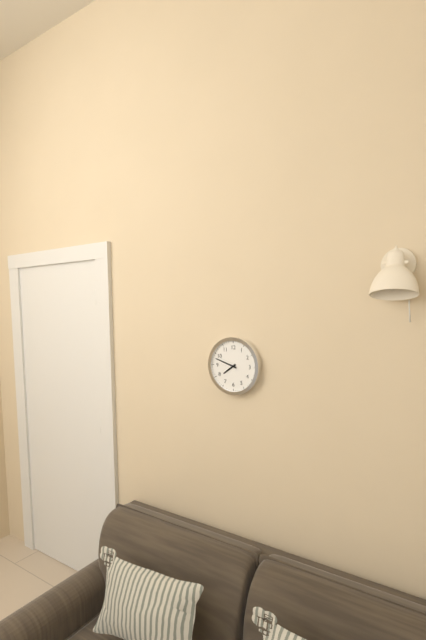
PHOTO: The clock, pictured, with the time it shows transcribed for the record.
7:48
